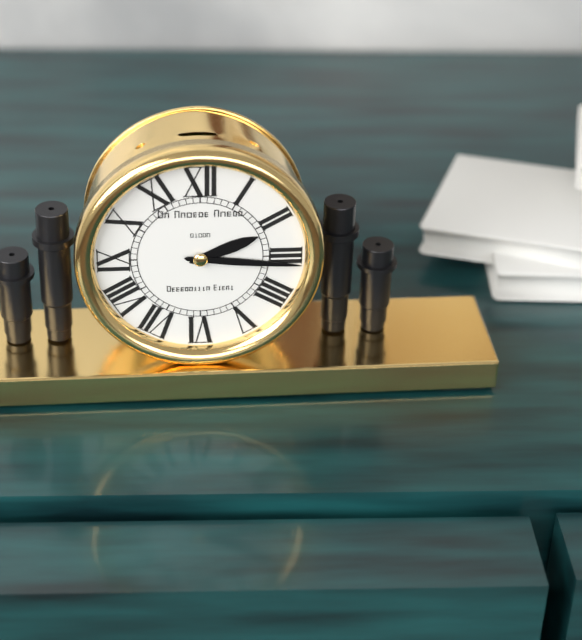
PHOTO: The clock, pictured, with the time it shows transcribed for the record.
2:16
